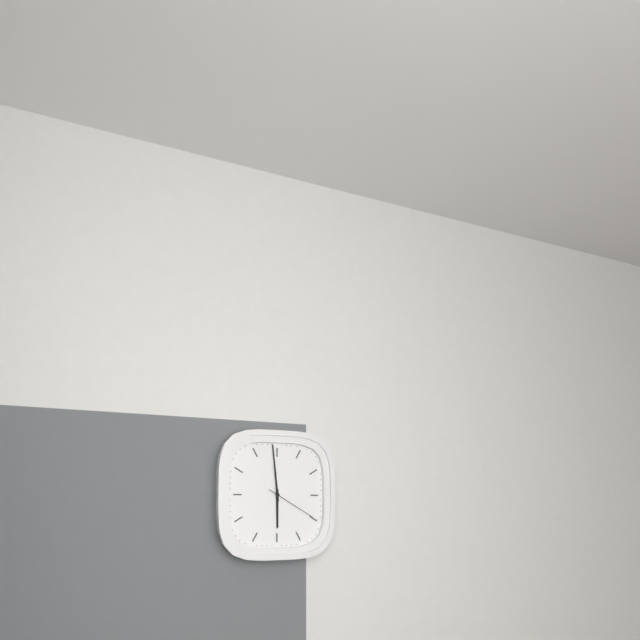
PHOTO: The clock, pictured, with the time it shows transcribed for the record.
5:59:20
